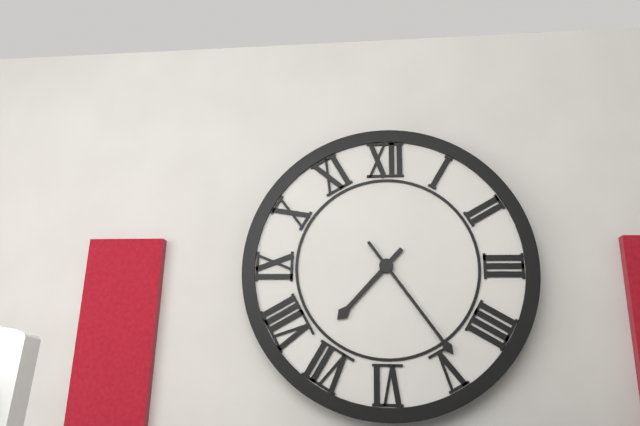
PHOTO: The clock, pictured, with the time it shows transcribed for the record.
7:24
